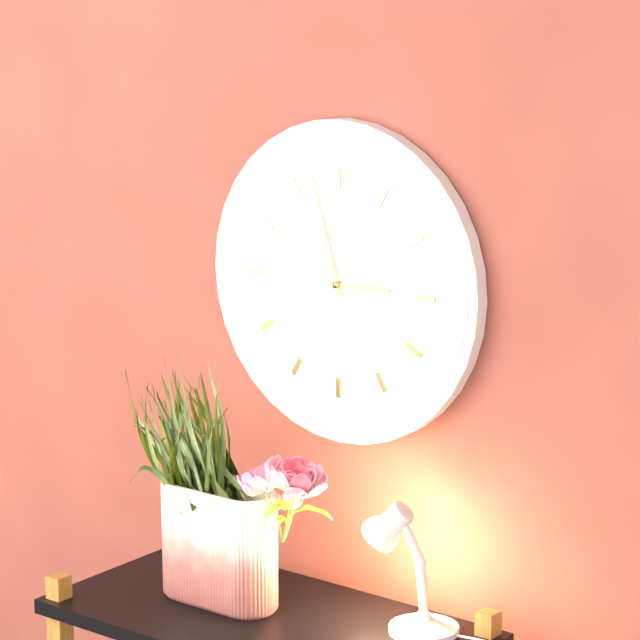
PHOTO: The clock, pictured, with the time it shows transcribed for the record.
2:57
